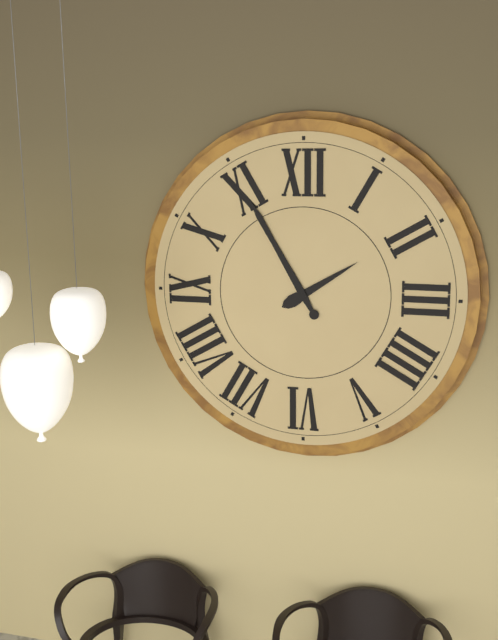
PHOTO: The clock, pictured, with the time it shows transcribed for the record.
1:55
